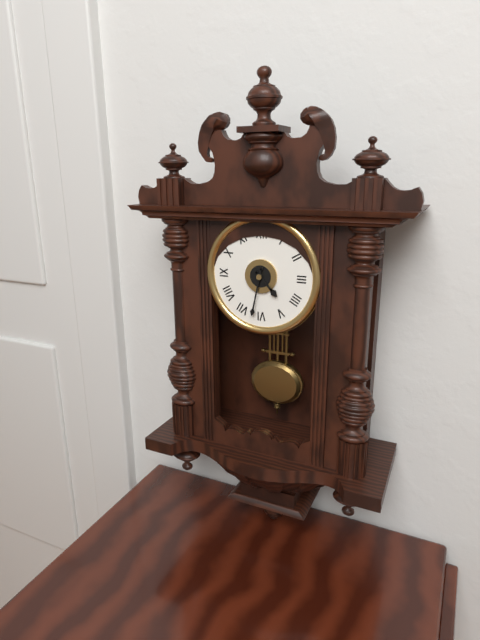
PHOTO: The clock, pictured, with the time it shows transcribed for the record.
4:32
